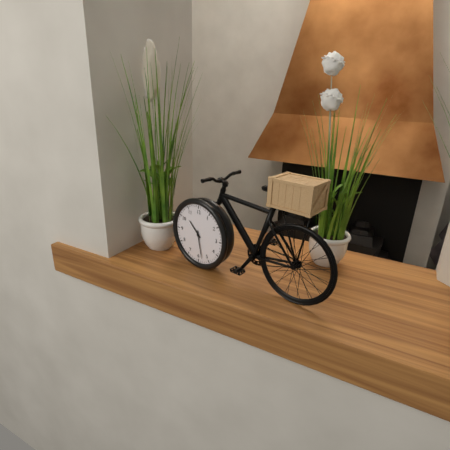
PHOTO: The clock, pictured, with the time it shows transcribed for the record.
10:28
